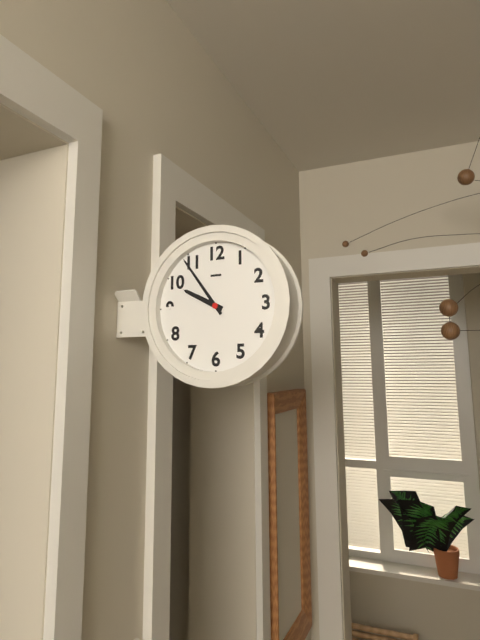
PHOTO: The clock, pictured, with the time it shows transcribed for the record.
9:54
